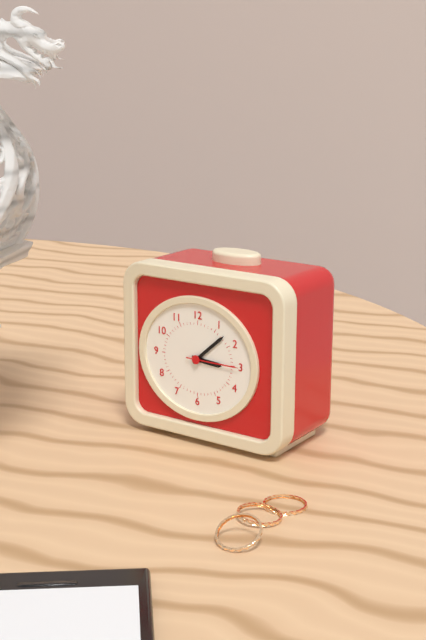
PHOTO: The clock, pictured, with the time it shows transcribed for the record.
3:08:15
